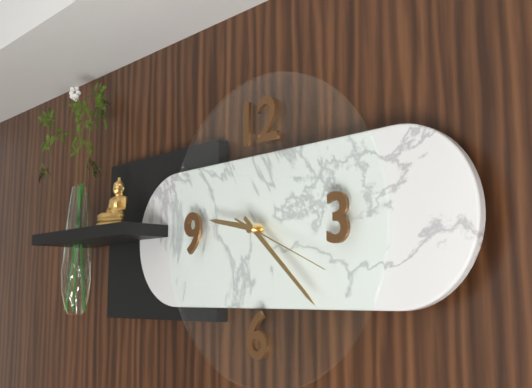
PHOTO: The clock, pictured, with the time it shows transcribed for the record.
9:22:19
